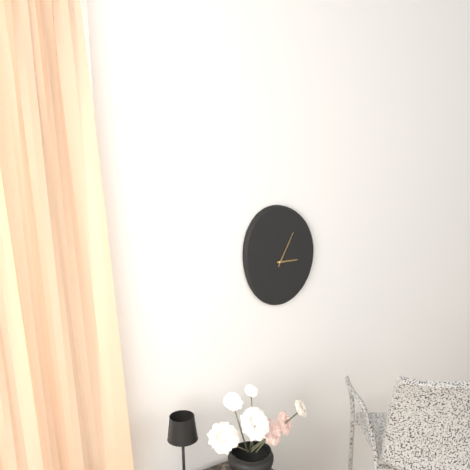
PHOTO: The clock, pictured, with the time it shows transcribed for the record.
3:05
